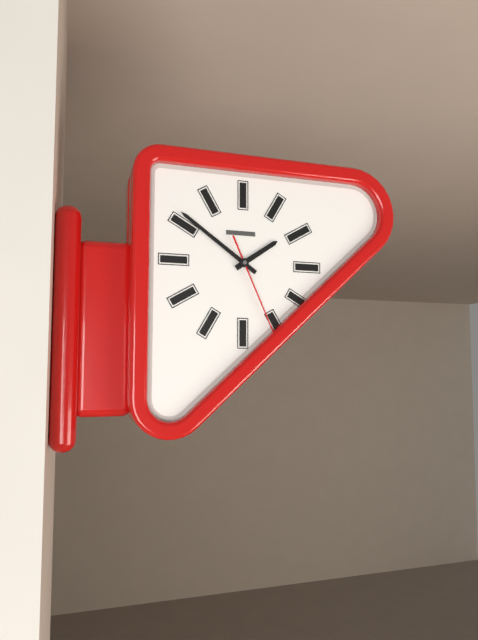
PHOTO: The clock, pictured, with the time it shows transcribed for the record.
1:51:26
